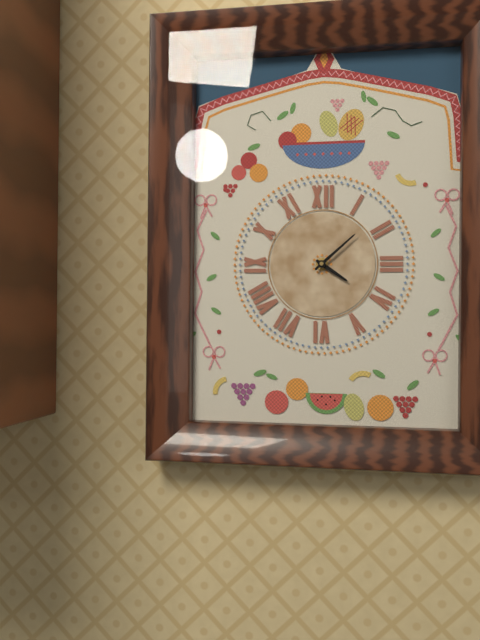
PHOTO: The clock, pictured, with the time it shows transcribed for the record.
4:08
